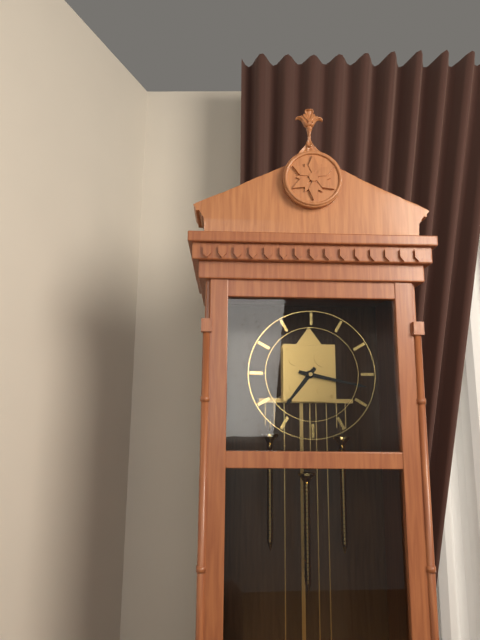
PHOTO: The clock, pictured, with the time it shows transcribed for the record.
7:17
